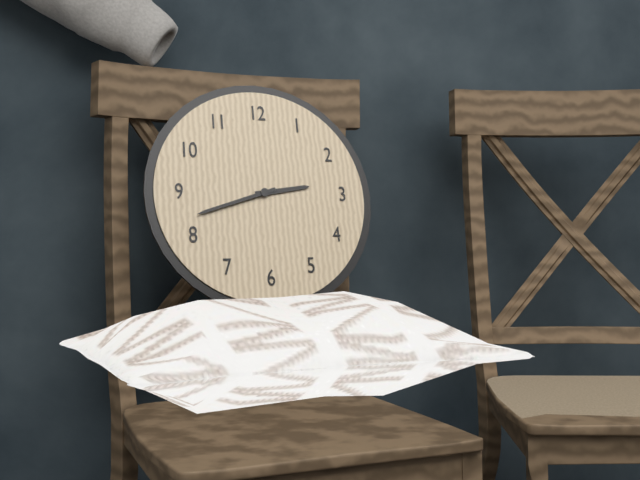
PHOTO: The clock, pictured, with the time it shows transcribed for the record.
2:42
